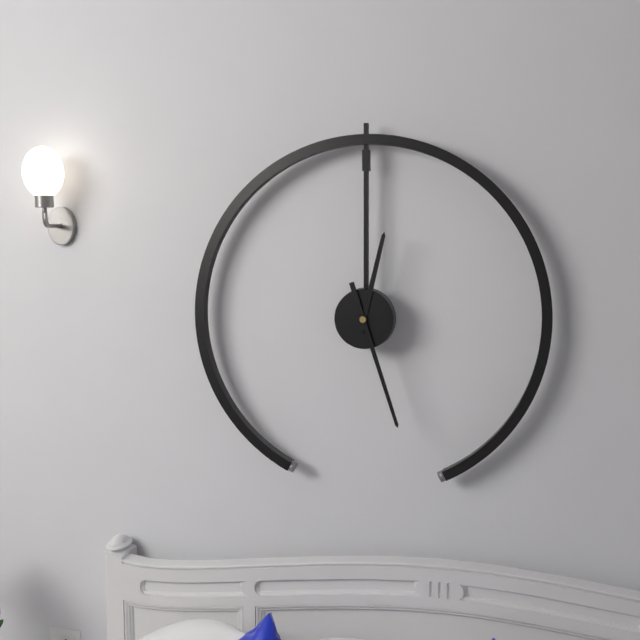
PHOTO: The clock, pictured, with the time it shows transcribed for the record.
12:27
